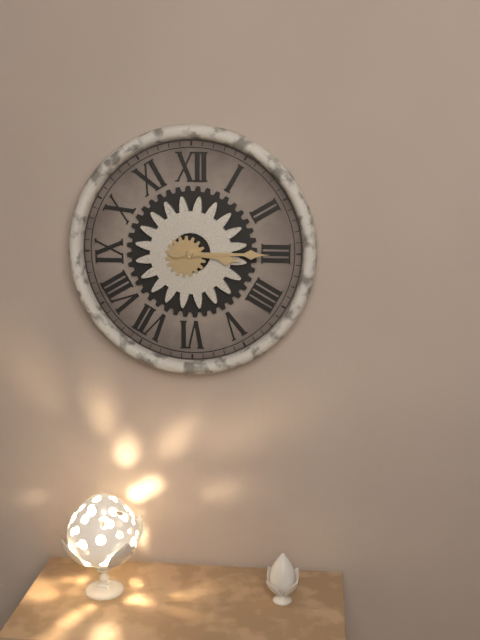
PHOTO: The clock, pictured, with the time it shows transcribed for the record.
3:15
